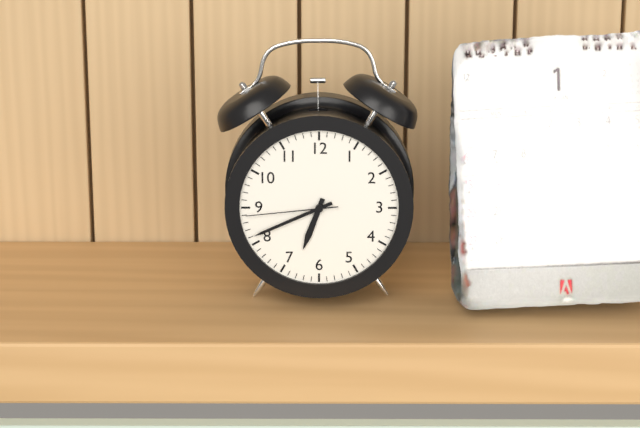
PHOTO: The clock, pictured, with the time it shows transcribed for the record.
6:41:44
